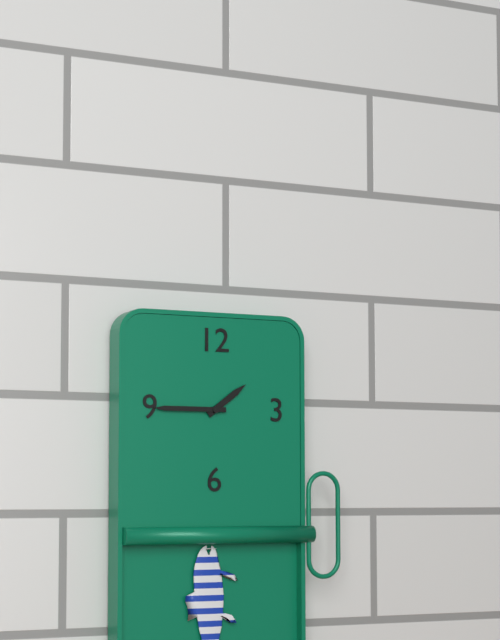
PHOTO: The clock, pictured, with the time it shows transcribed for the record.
1:45
